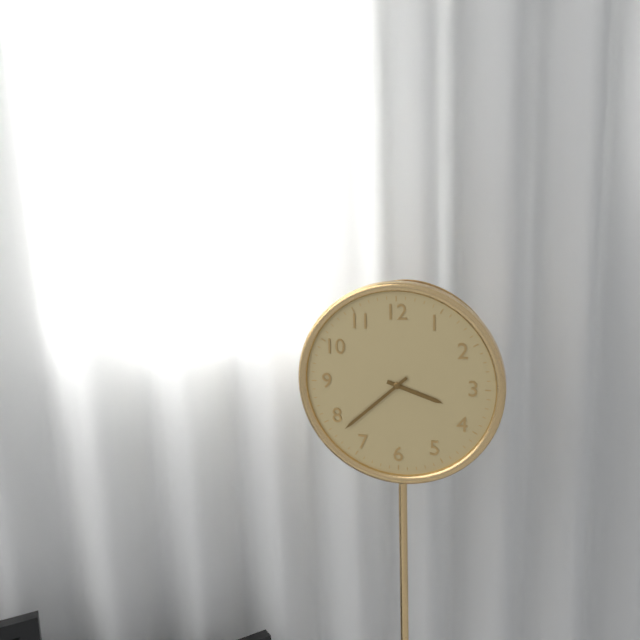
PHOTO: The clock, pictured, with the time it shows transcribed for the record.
3:38
